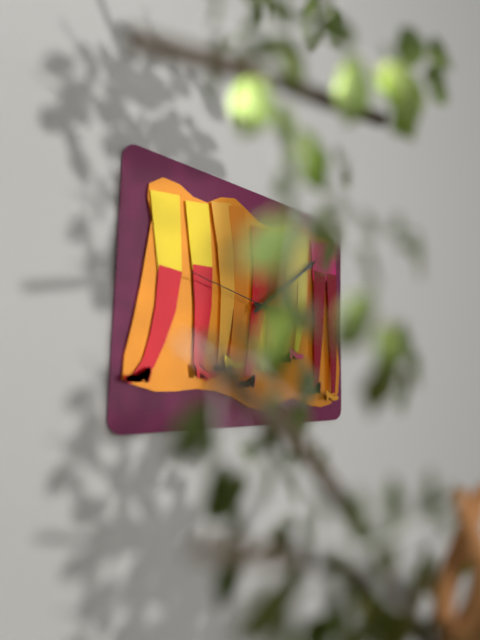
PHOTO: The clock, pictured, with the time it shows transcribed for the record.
3:09:47
